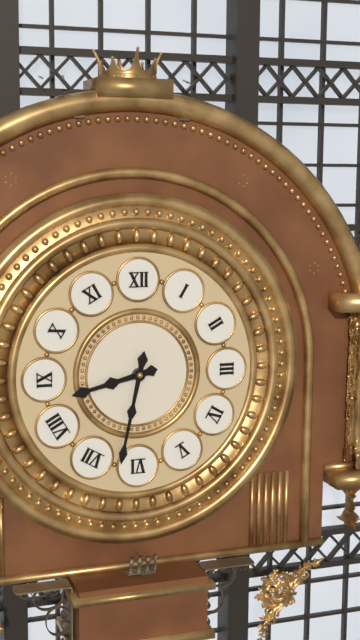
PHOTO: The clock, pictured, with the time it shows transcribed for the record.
8:32
